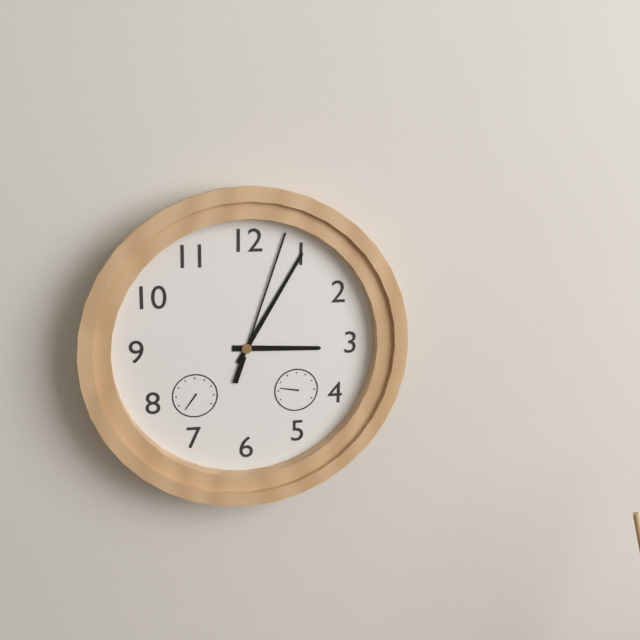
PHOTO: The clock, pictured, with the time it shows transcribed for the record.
3:05:03
